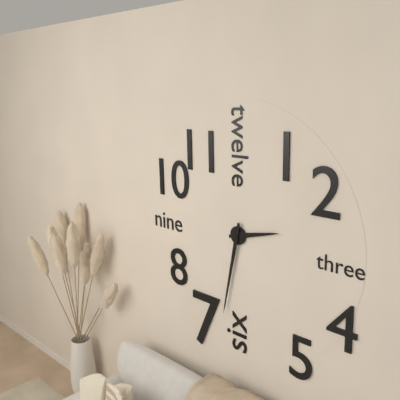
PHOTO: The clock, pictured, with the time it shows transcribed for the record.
2:32
